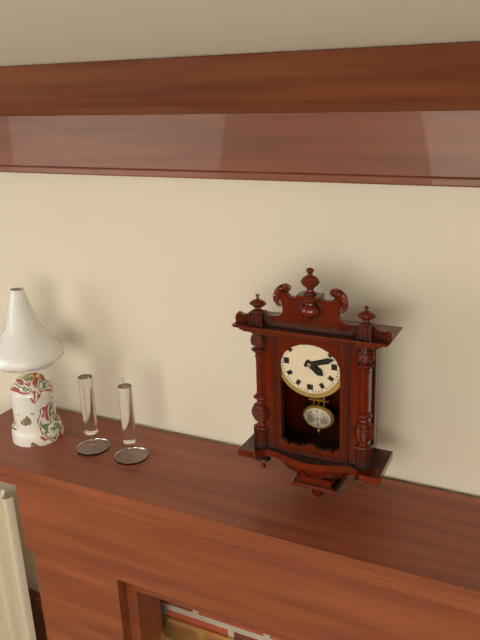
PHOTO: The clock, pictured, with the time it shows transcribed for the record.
4:12
